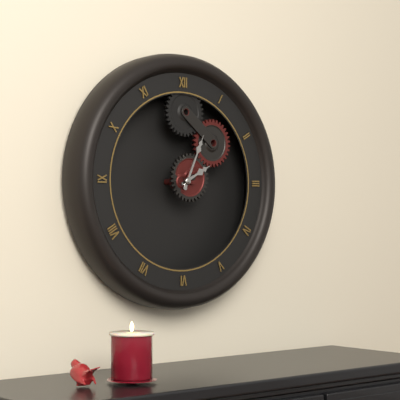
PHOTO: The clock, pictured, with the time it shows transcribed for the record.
2:04
